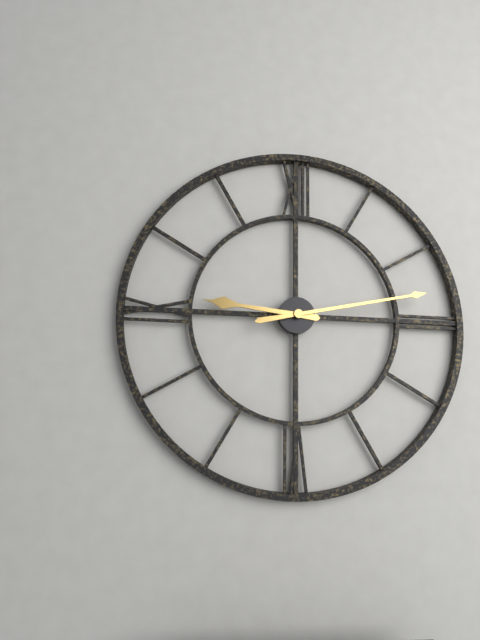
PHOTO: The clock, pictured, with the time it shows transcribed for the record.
9:13
